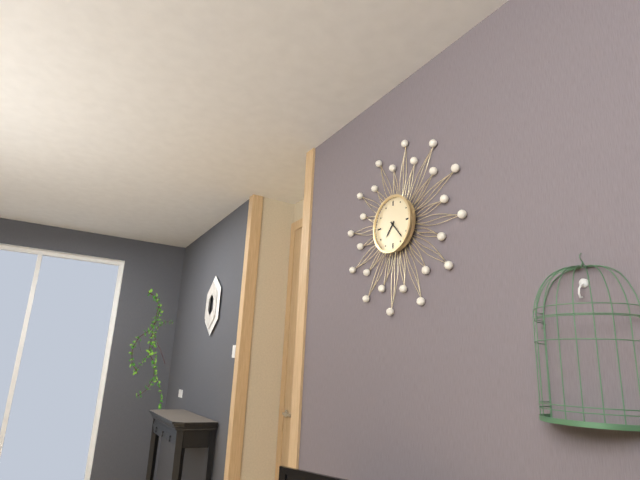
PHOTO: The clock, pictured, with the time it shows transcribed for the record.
7:23
